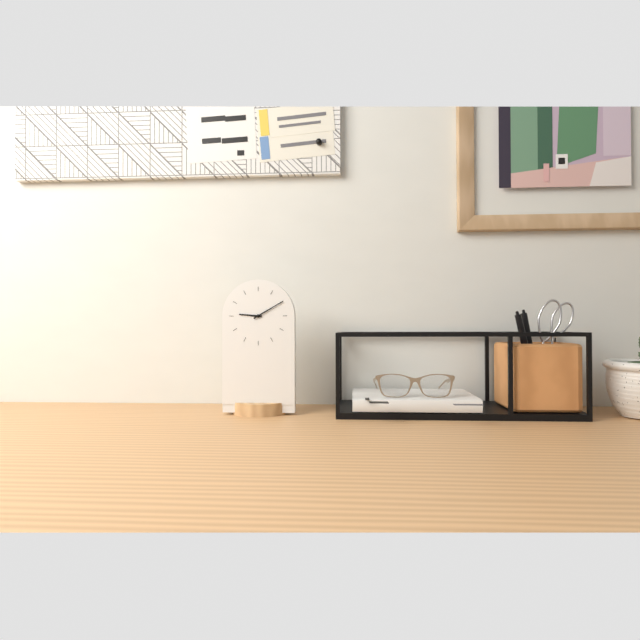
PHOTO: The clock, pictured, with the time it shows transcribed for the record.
9:10
